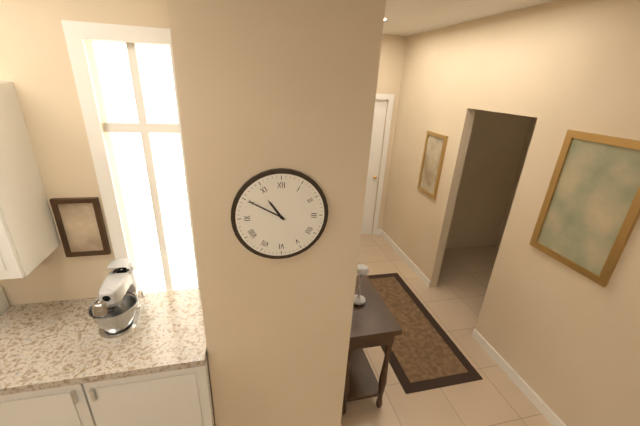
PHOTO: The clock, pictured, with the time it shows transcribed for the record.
10:50
